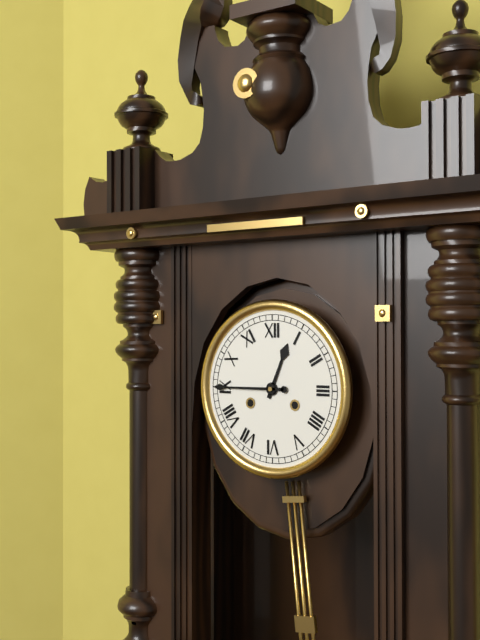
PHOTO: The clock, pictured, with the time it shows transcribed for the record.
12:45
